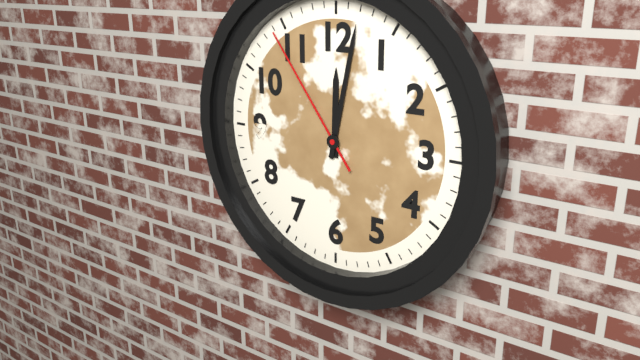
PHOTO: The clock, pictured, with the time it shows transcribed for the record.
12:02:54
